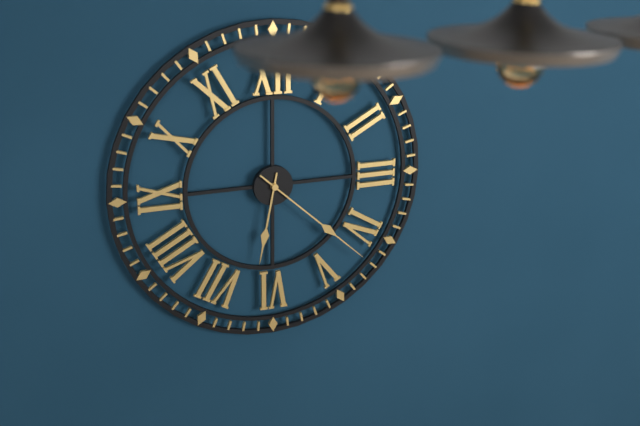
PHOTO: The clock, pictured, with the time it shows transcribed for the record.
6:22
